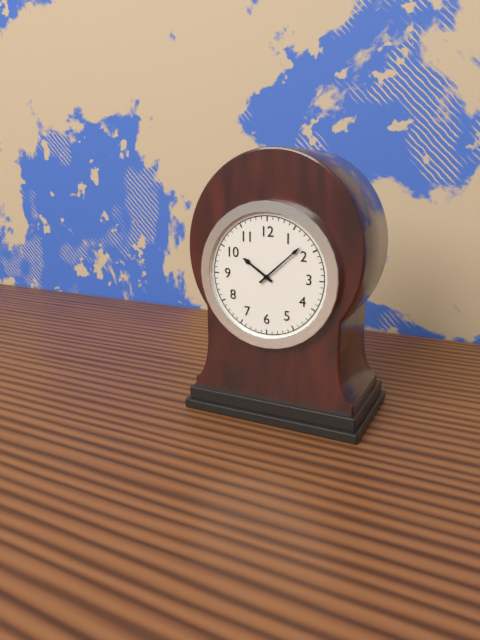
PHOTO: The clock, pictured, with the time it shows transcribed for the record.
10:08
